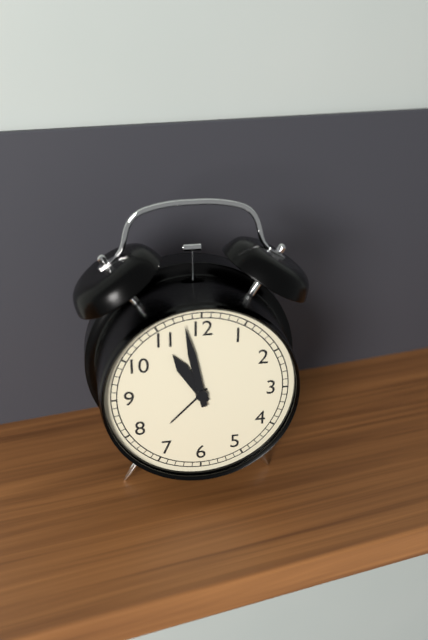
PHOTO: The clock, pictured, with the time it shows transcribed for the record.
10:58
